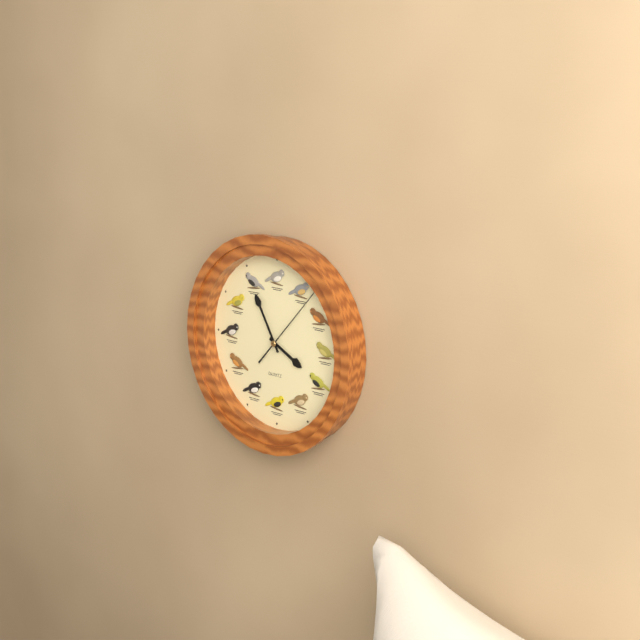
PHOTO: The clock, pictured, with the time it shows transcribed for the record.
3:55:07
